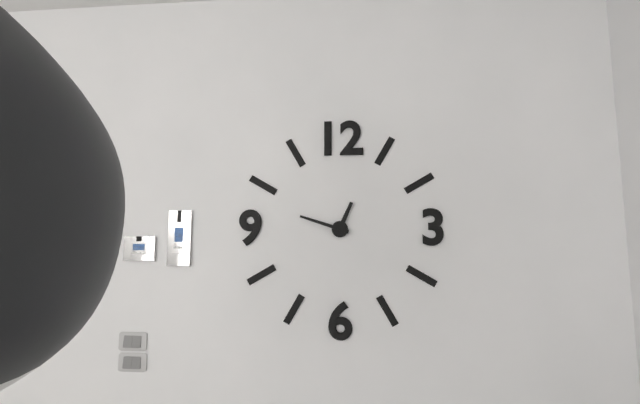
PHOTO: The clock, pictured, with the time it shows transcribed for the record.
12:48
